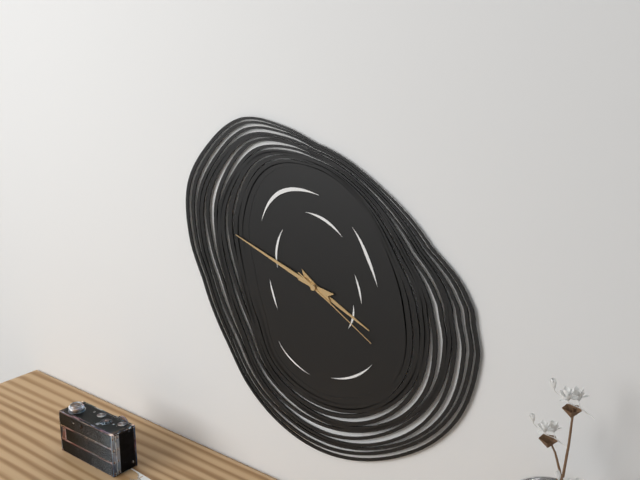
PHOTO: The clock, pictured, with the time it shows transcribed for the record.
3:48:20
